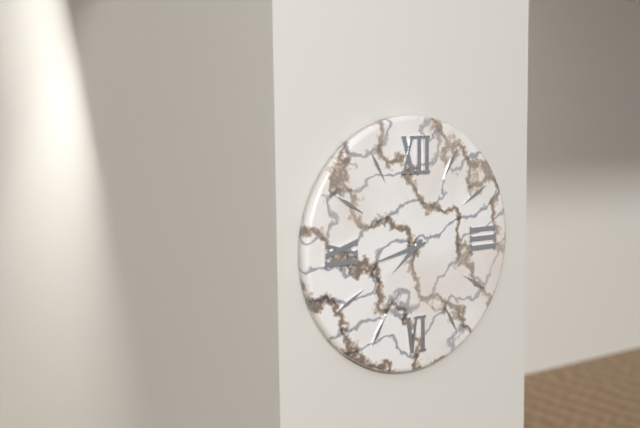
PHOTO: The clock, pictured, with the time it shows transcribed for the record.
7:43
